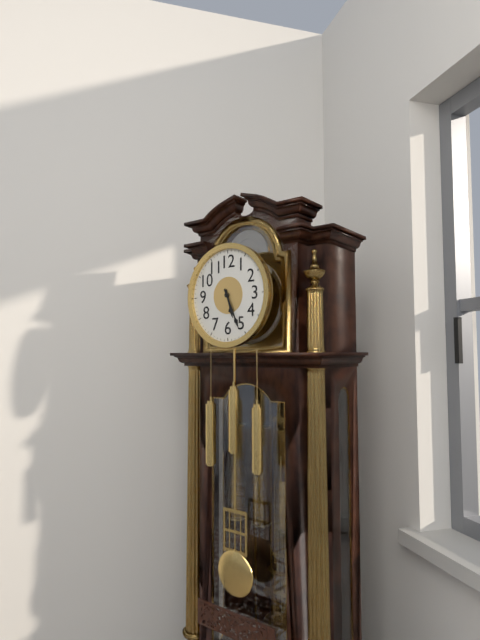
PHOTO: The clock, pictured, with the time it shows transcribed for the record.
5:26
